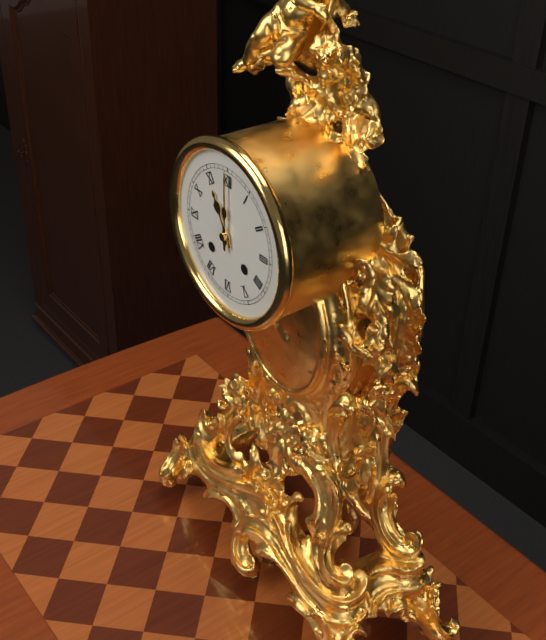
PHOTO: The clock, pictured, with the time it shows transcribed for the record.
11:00
